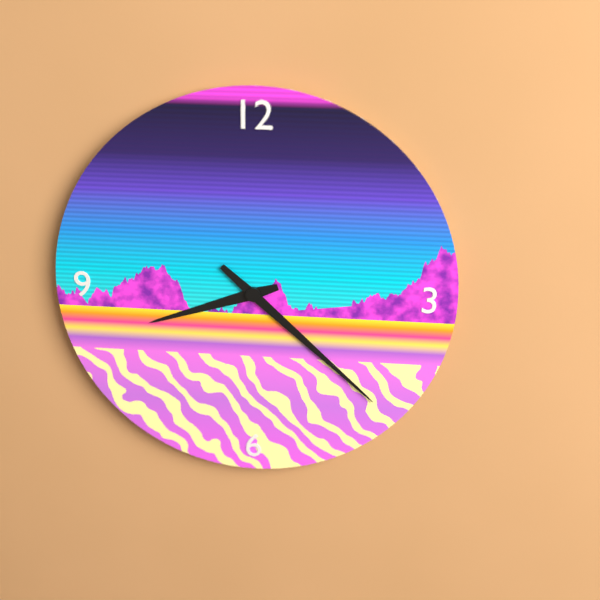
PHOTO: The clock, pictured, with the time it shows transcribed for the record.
8:22
